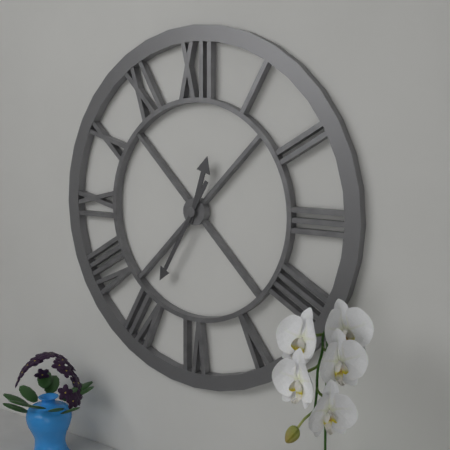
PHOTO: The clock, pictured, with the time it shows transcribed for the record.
12:35
